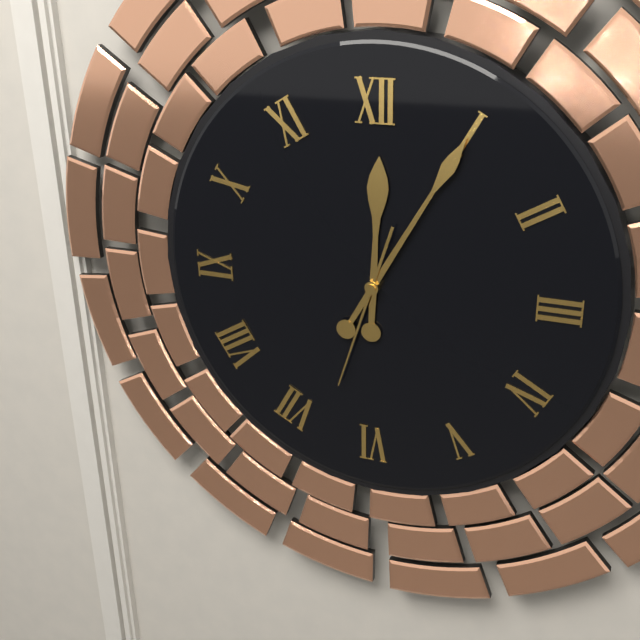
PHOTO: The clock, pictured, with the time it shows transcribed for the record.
12:05:33
